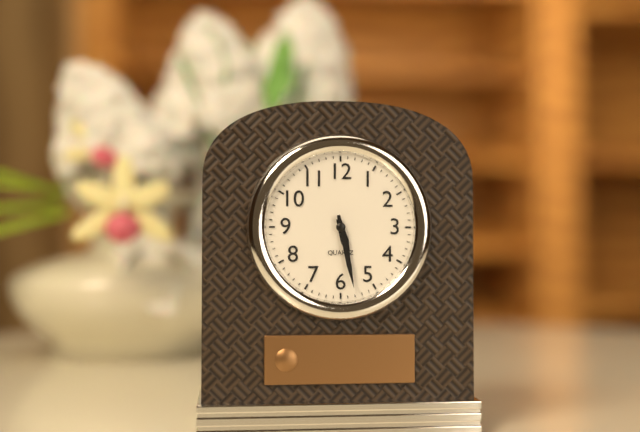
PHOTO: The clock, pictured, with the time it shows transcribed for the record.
5:28
